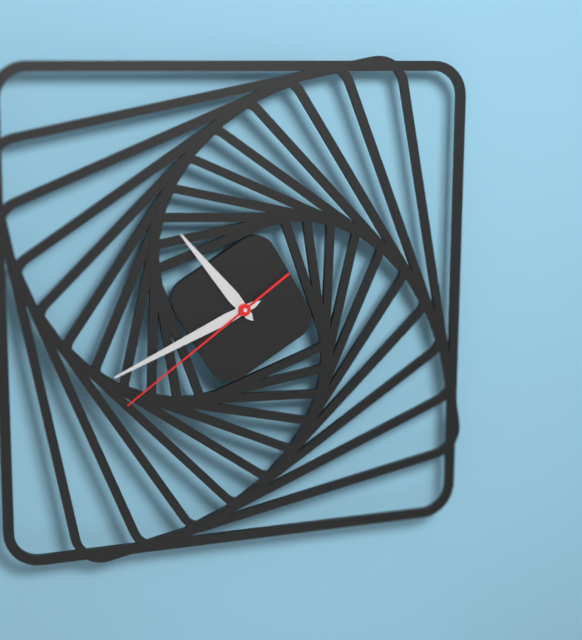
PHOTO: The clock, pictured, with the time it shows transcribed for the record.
10:41:39
